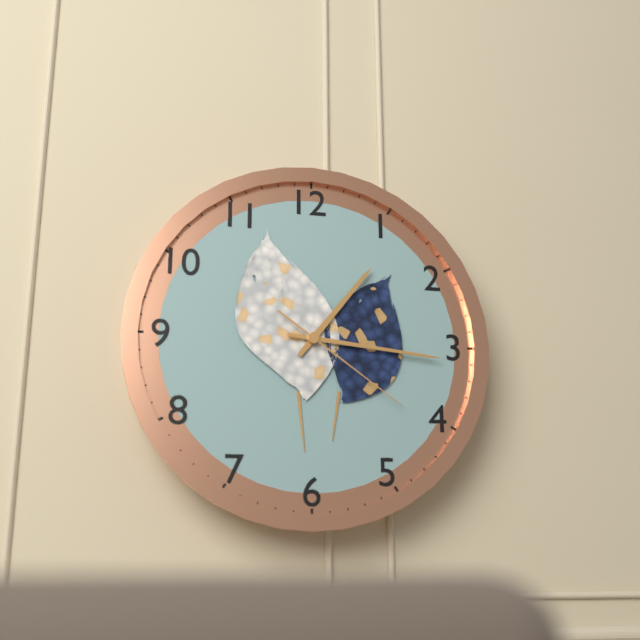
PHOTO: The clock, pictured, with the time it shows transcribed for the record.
1:16:21
